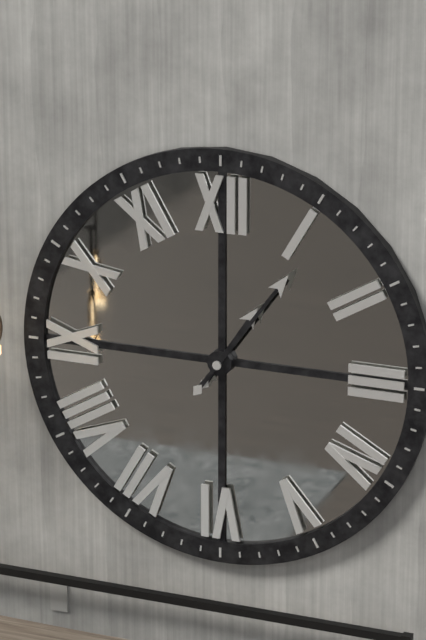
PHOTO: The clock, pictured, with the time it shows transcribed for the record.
1:06
